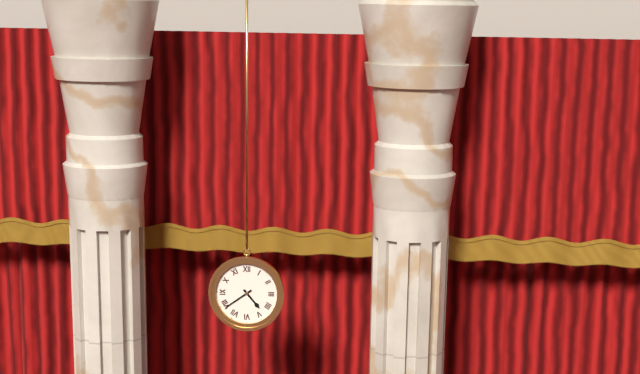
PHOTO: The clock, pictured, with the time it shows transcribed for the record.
4:39
